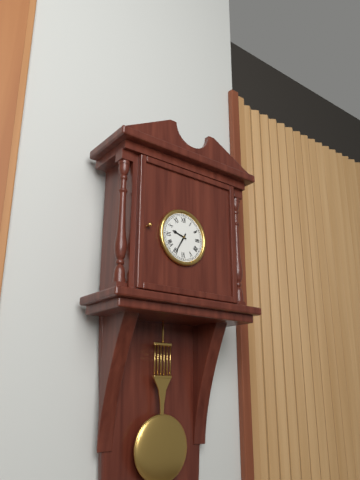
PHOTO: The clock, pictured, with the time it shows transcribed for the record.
9:35
